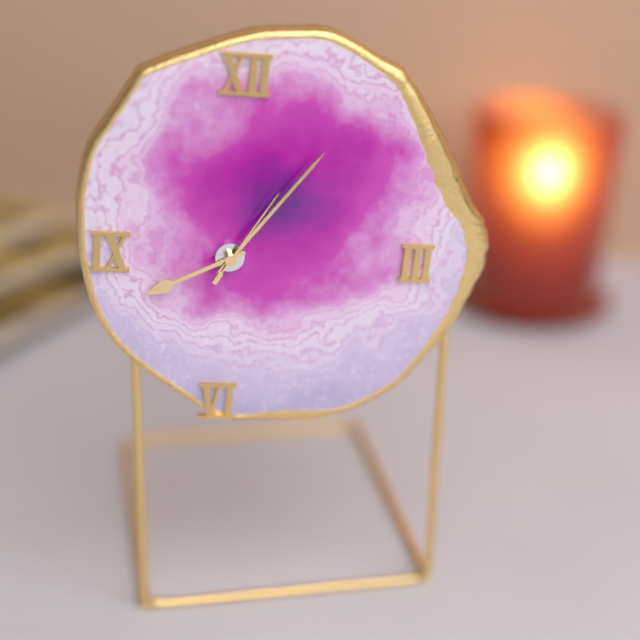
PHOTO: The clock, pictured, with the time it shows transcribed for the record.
8:06:05
